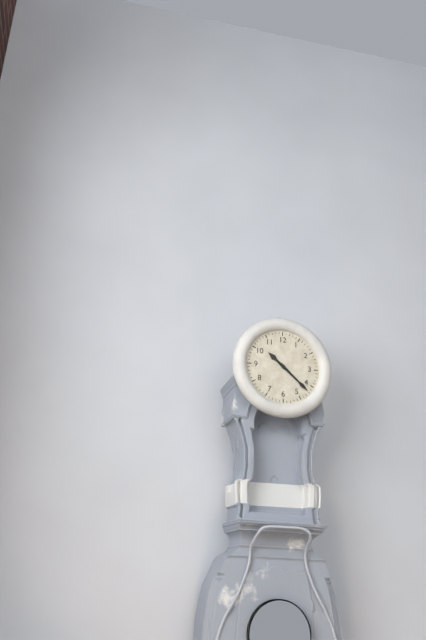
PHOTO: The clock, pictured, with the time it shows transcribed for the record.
10:22
